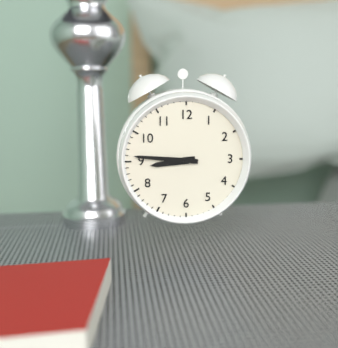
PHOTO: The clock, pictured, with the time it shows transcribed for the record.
8:46
